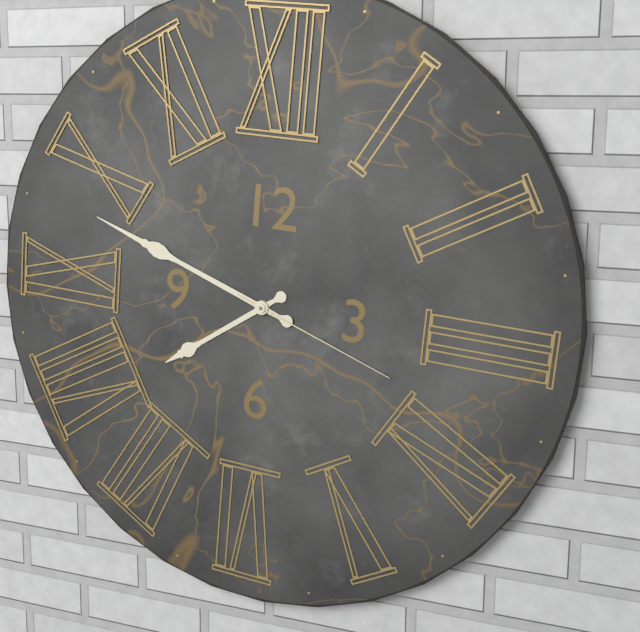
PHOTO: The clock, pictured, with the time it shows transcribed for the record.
7:48:18
